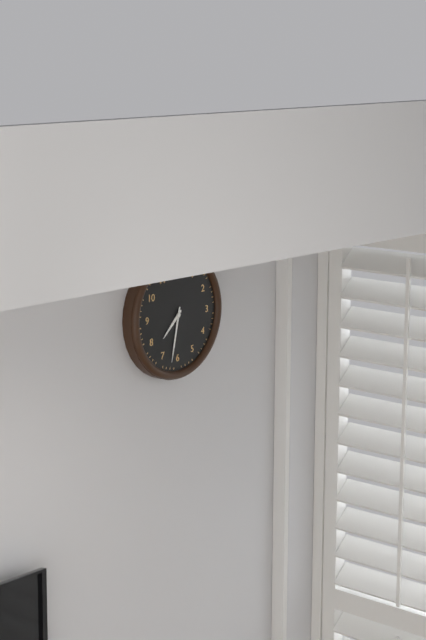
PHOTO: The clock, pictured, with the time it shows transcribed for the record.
7:32
